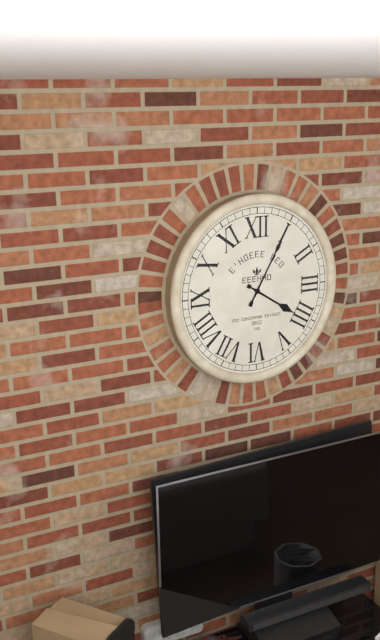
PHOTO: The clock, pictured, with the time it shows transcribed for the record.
4:05
